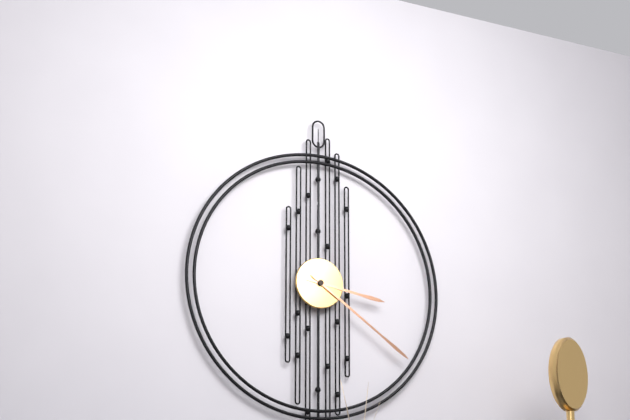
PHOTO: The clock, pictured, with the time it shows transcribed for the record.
3:21
